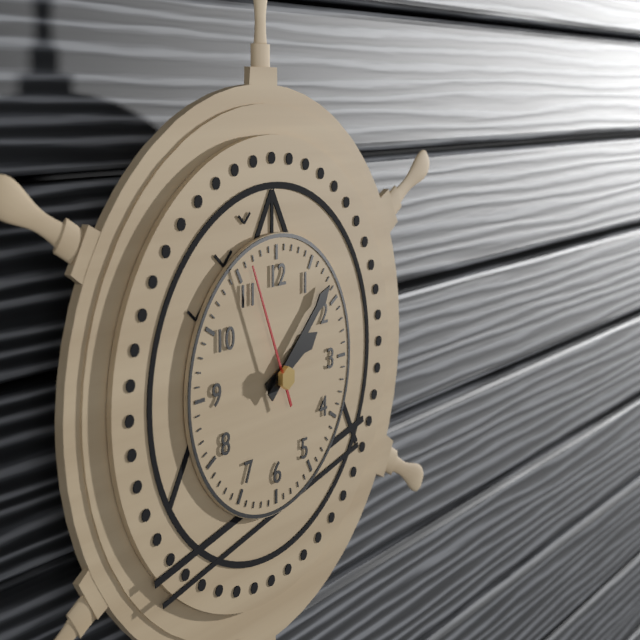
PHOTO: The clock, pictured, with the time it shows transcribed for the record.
2:08:56
